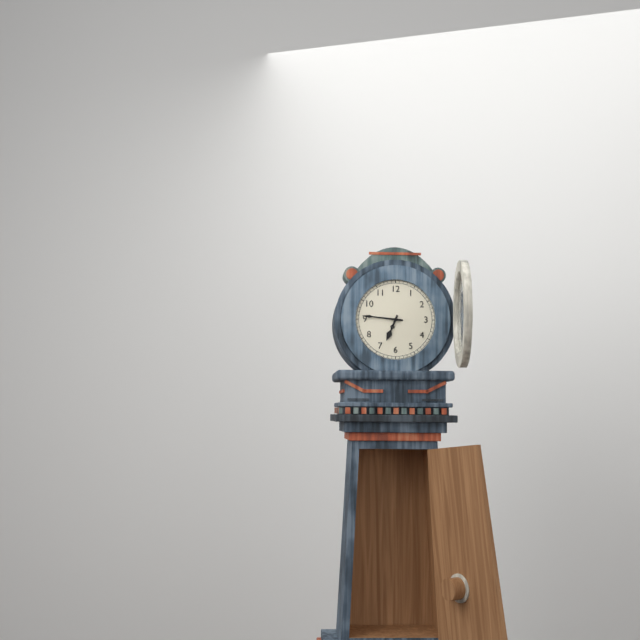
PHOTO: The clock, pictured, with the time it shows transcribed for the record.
6:46
